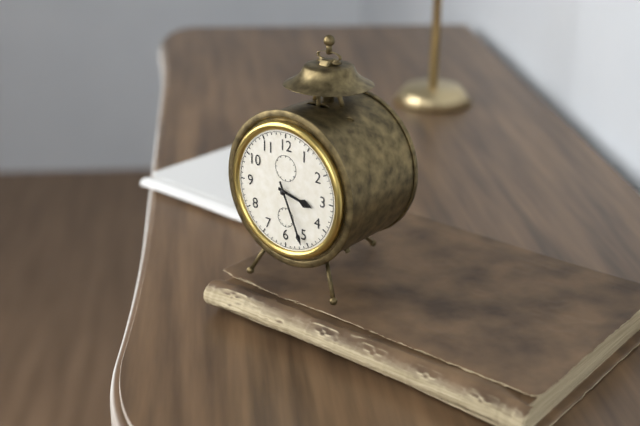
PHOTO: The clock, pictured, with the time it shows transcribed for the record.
3:26
